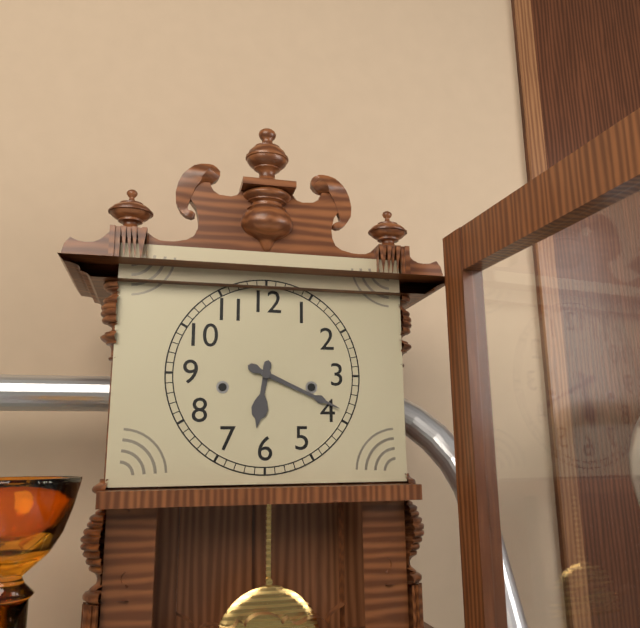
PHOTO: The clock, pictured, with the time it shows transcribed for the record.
6:19
